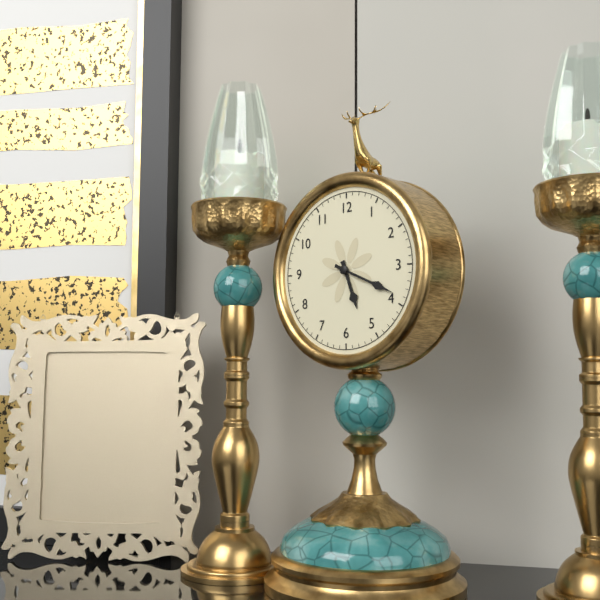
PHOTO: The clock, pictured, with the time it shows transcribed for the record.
5:19
